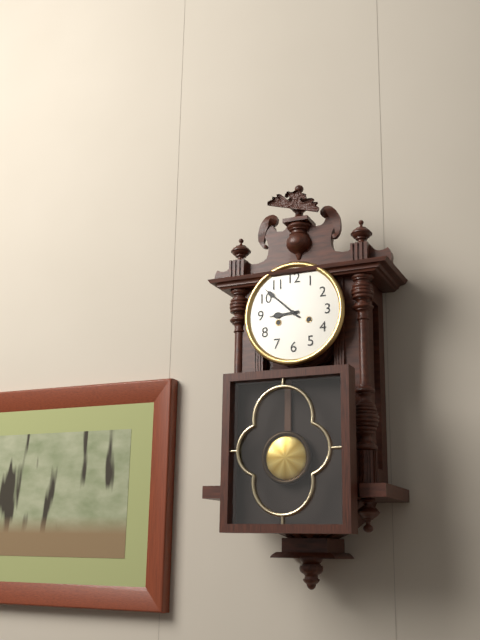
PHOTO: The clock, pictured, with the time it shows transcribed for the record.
8:52
